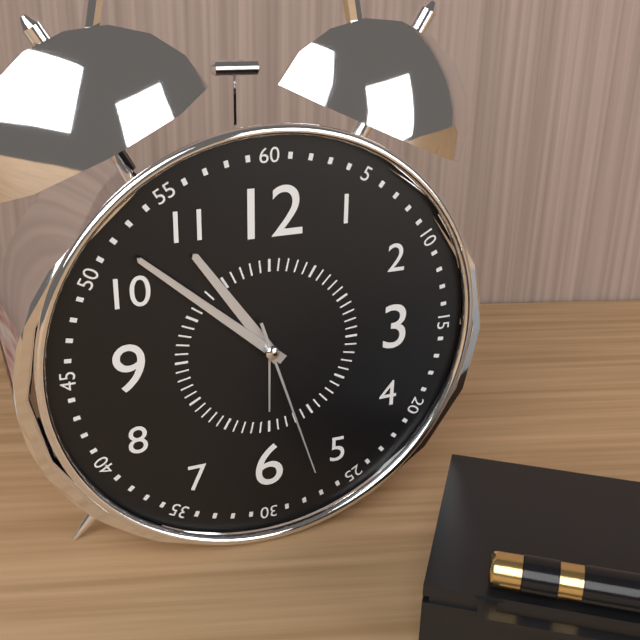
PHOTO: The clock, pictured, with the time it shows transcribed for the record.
10:52:27
